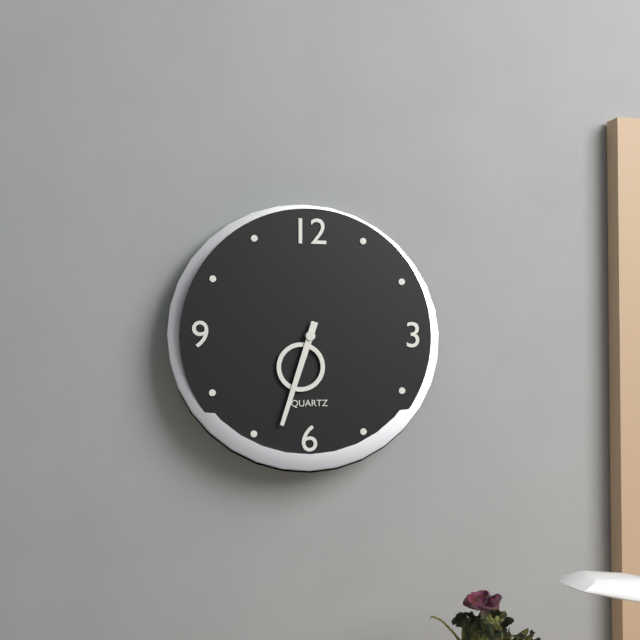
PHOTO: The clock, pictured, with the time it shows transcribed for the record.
6:33
